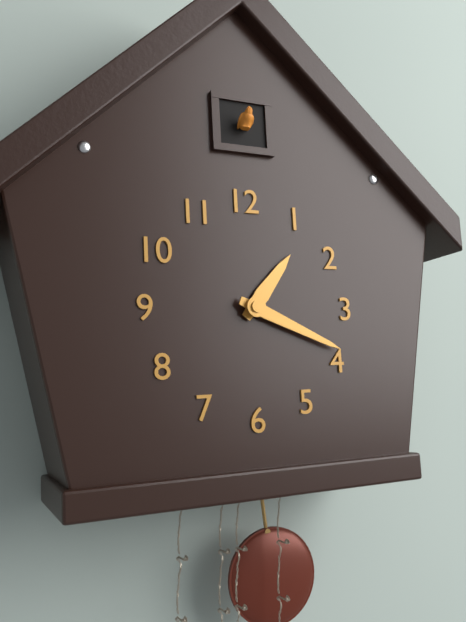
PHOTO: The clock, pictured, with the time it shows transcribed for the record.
1:19
